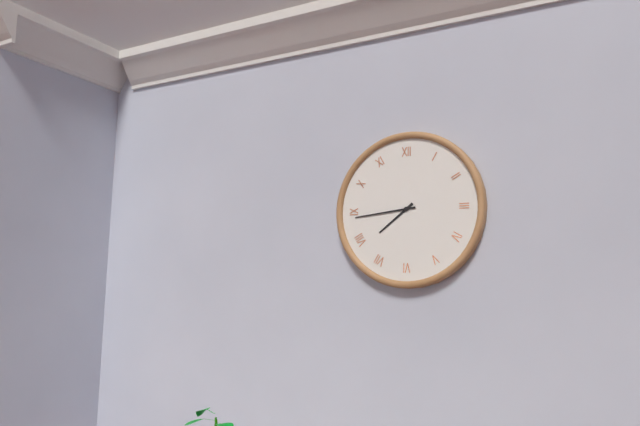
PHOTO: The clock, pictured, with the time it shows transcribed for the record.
7:44
